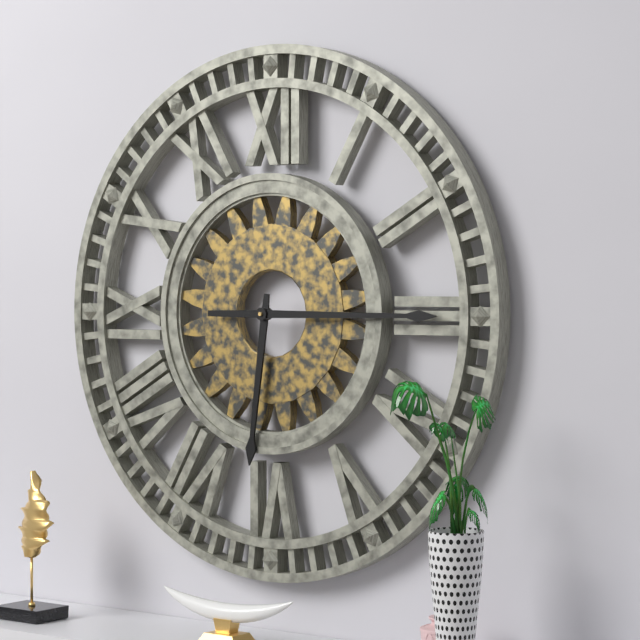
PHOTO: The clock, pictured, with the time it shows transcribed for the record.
6:15
